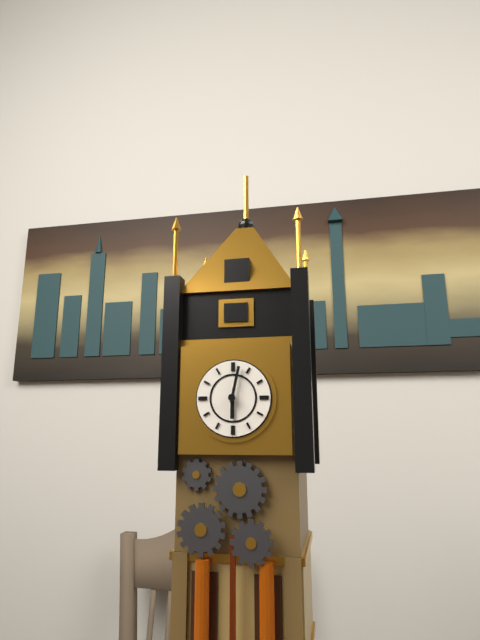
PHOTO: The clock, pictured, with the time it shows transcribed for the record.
6:02
